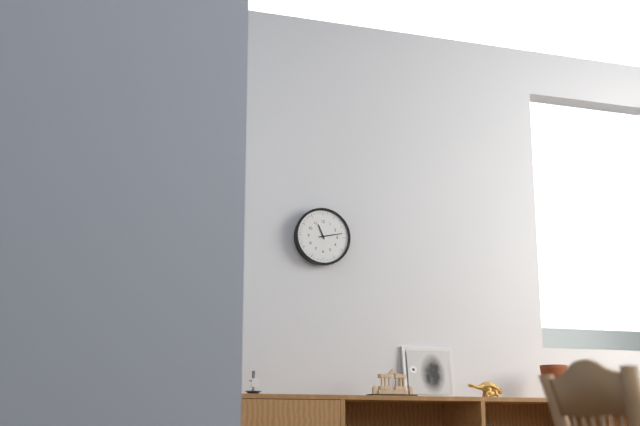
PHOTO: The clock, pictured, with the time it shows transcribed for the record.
11:13
